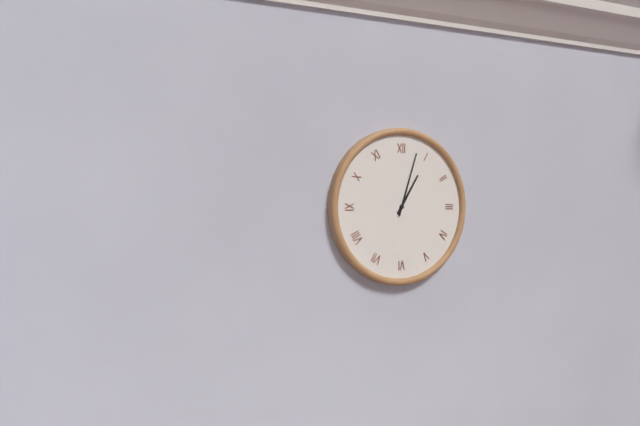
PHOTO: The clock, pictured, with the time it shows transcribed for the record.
1:03
